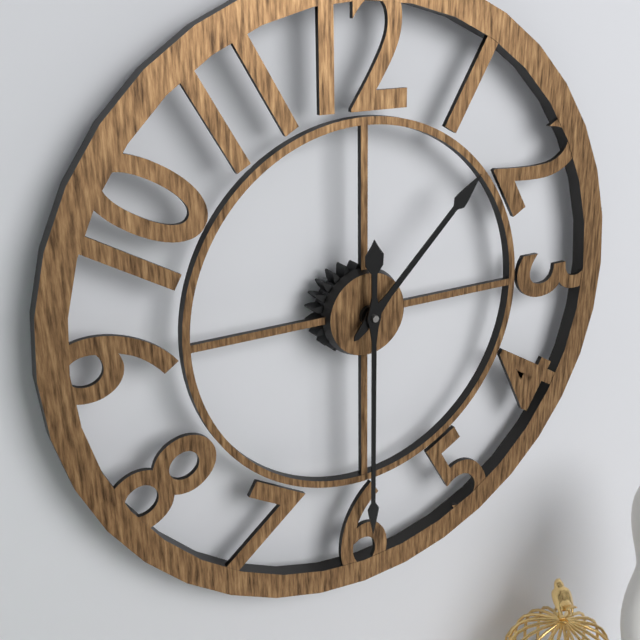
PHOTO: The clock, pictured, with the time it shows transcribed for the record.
1:30
